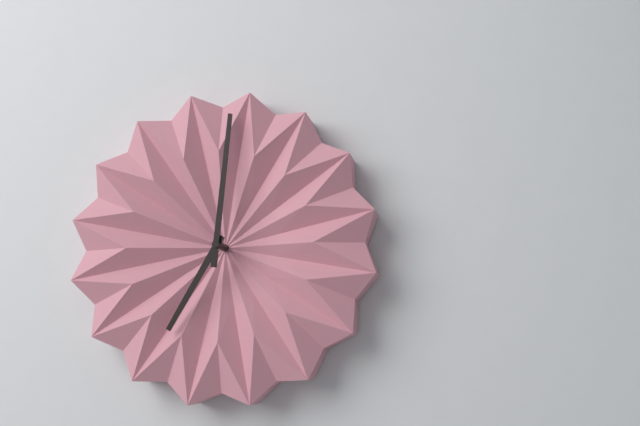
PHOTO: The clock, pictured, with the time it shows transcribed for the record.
7:01
